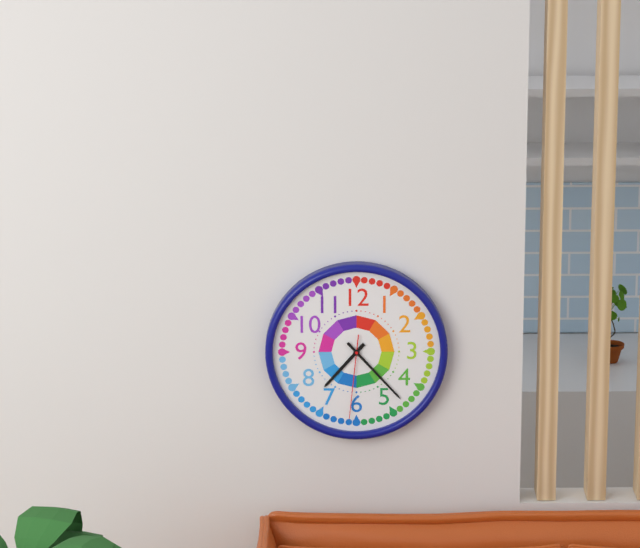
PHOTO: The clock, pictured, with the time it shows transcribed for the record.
7:23:31
